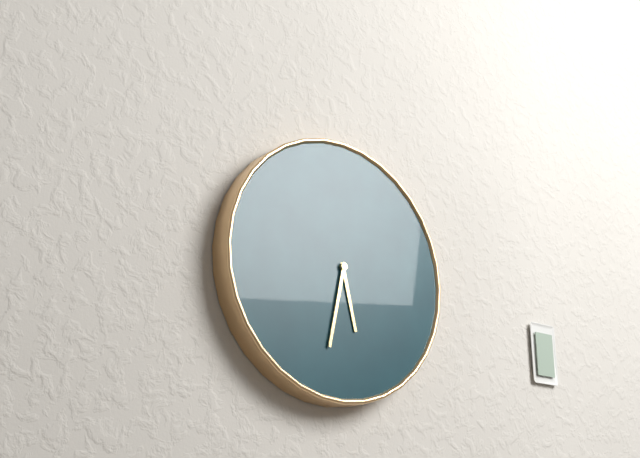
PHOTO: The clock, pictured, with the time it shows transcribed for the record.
5:32
